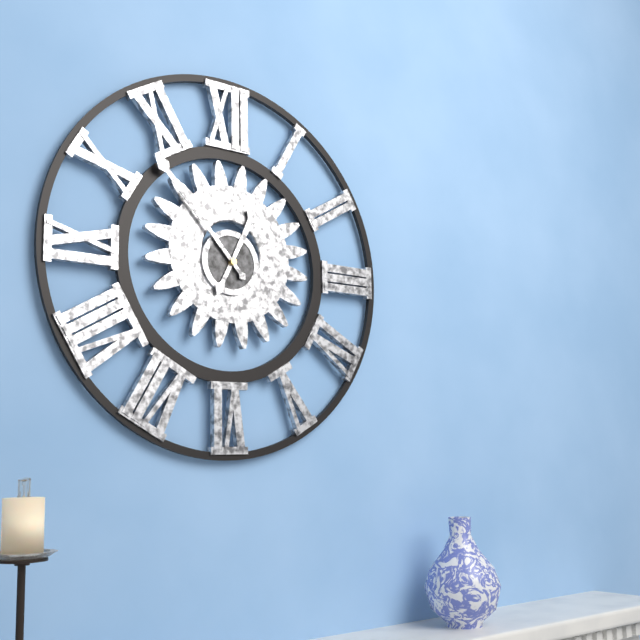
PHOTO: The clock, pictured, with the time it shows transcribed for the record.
12:53
